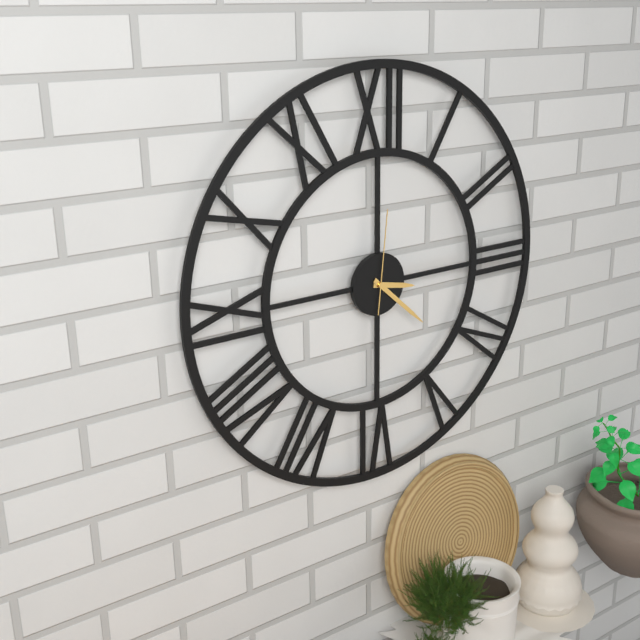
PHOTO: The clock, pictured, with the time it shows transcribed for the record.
3:22:01
